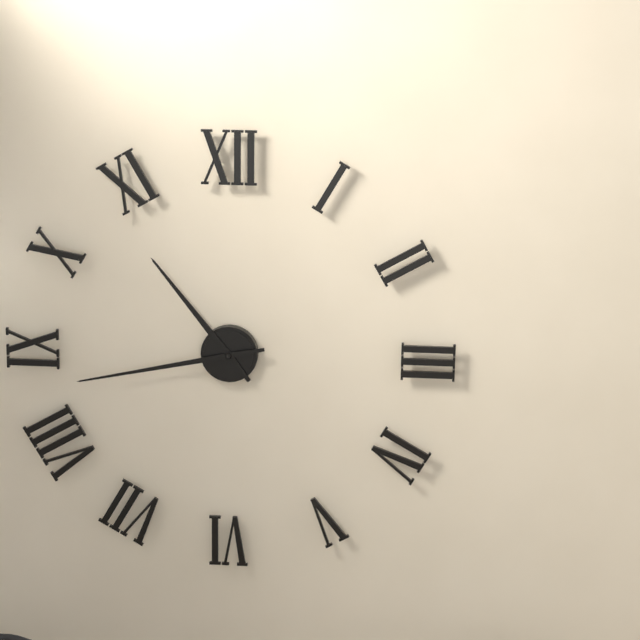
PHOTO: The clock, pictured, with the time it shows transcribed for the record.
10:43
